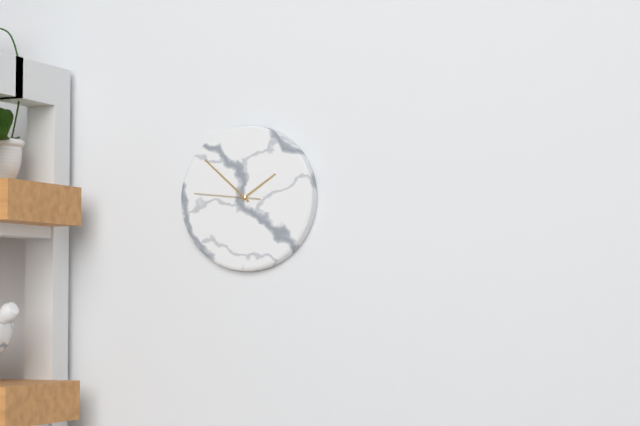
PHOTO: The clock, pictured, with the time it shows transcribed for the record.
1:52:46
